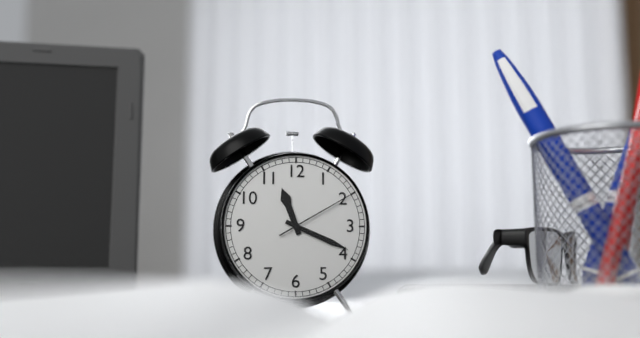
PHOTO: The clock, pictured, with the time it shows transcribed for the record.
11:19:10
